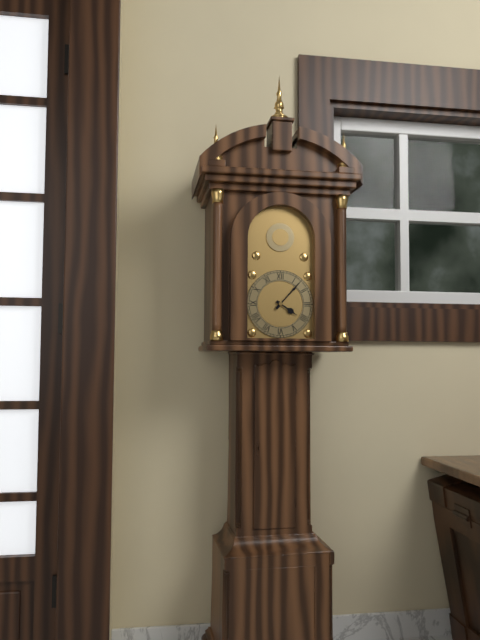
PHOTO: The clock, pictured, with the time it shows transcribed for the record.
4:07
